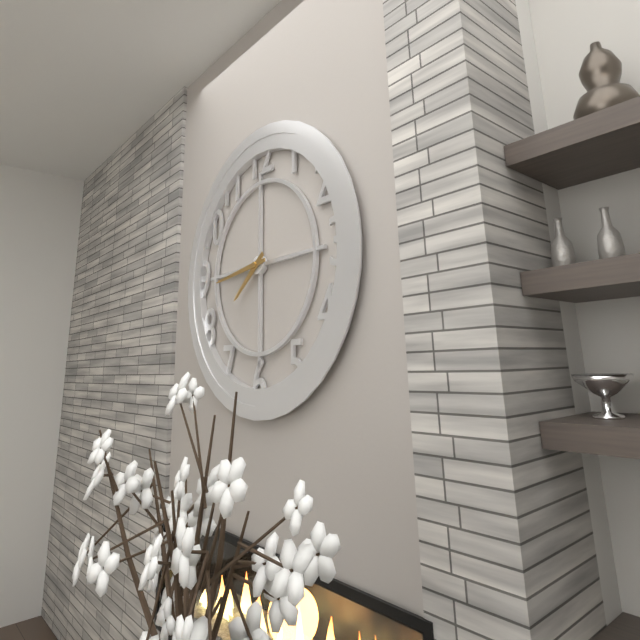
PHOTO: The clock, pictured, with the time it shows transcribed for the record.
7:44
